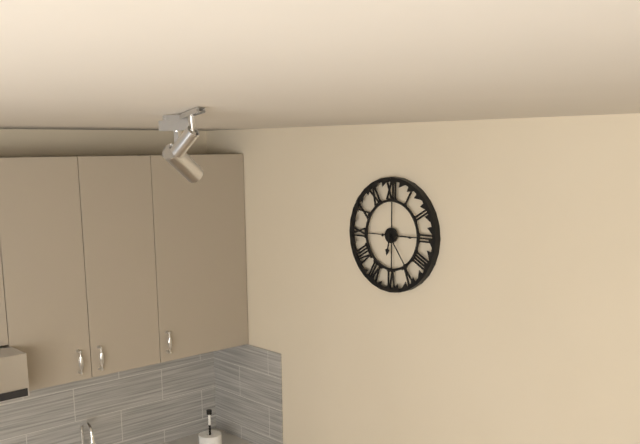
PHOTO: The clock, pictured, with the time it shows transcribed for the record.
6:24
